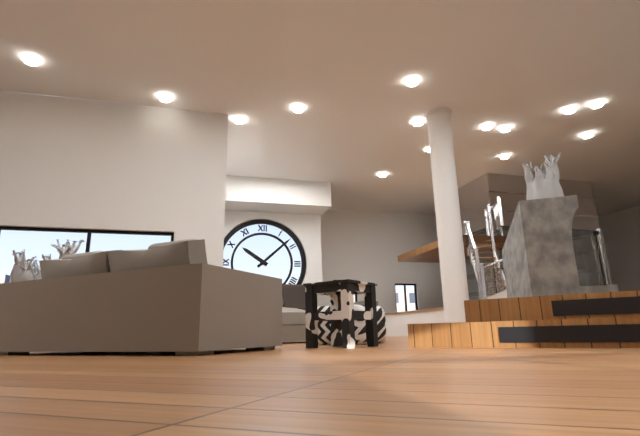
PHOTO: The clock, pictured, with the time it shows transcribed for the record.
10:08
